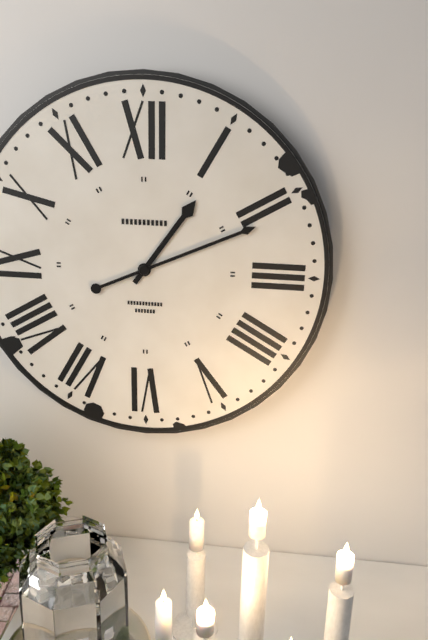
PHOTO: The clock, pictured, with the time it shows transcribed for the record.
1:11
